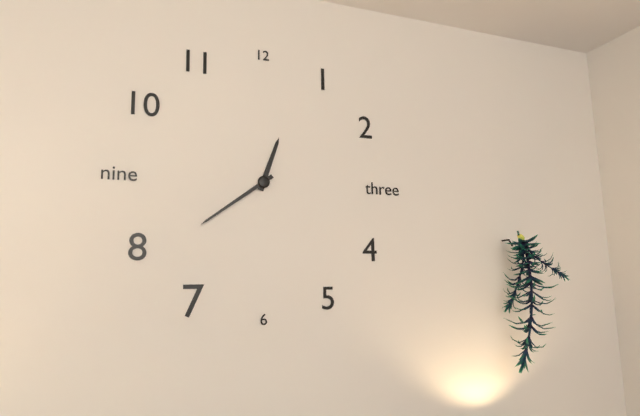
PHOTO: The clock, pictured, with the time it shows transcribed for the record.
12:39
